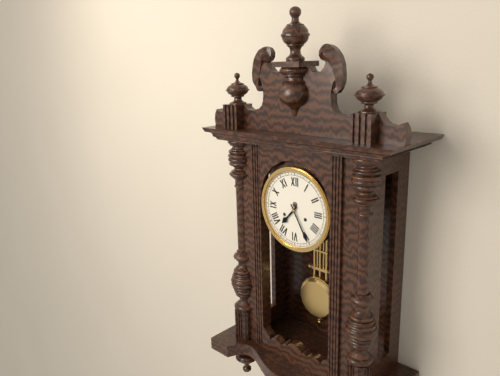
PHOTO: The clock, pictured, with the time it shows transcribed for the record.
7:25
